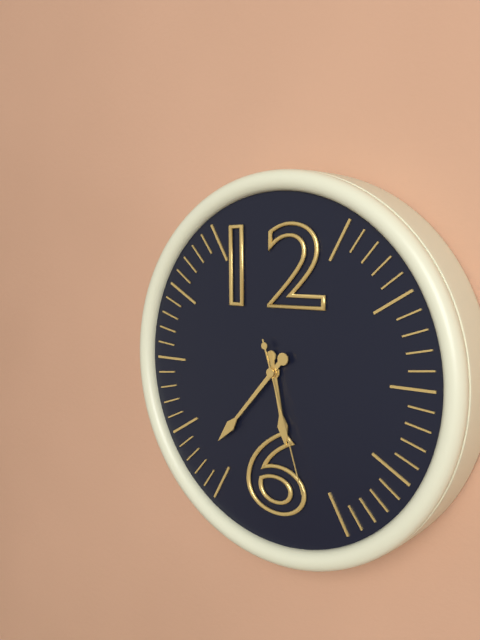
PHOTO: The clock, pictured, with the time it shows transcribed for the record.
5:37:27
